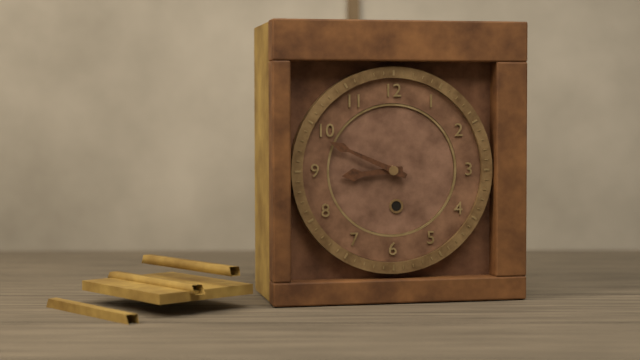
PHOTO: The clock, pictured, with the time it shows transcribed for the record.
8:49
